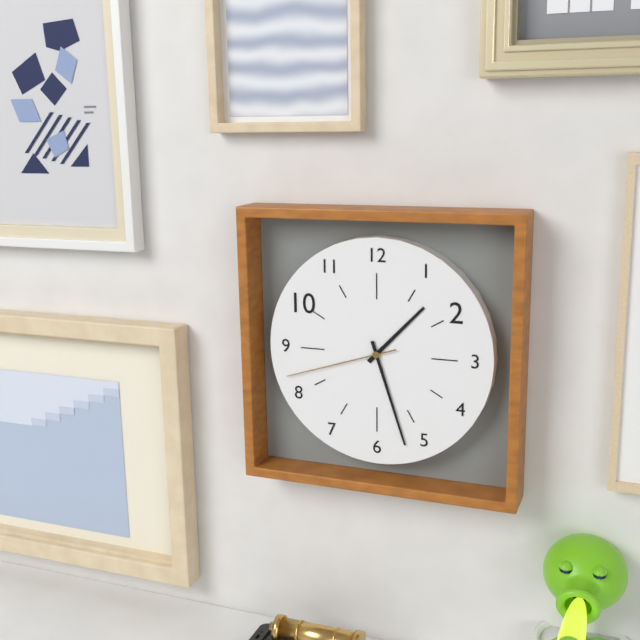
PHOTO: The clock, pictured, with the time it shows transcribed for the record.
1:27:42
